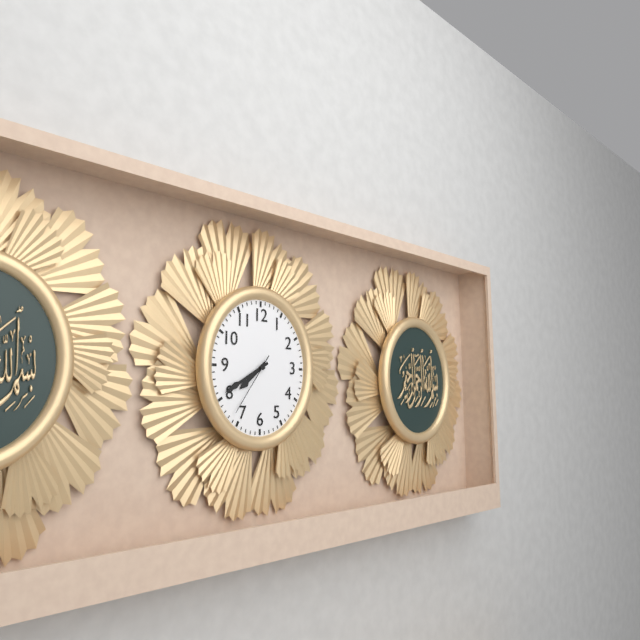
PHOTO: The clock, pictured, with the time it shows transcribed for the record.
7:40:36
